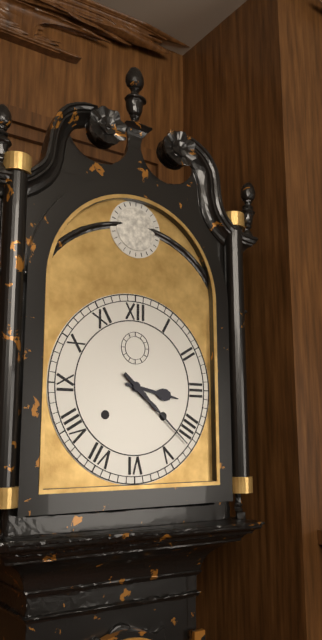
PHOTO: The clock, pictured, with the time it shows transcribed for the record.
3:22
